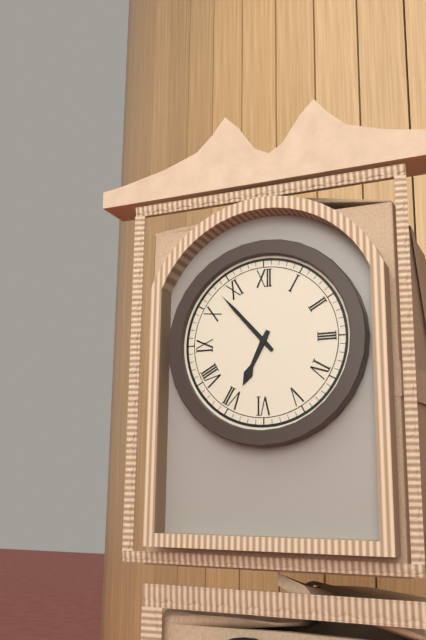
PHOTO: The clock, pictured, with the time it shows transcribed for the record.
6:53
